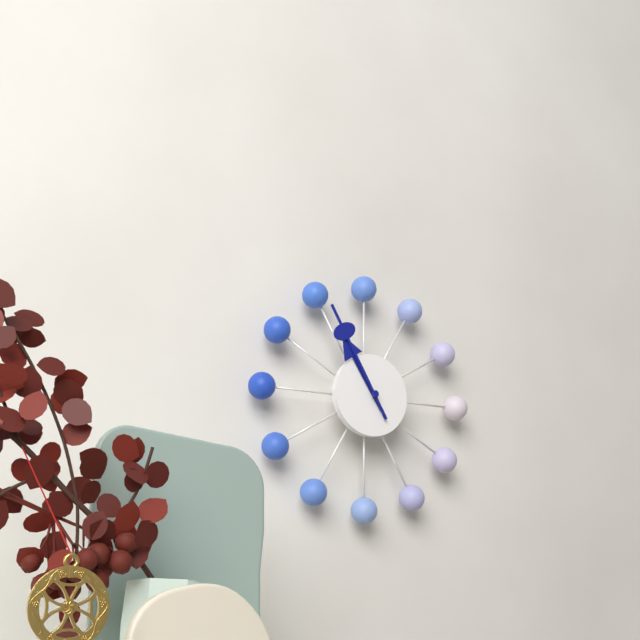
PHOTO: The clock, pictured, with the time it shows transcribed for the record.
10:55
